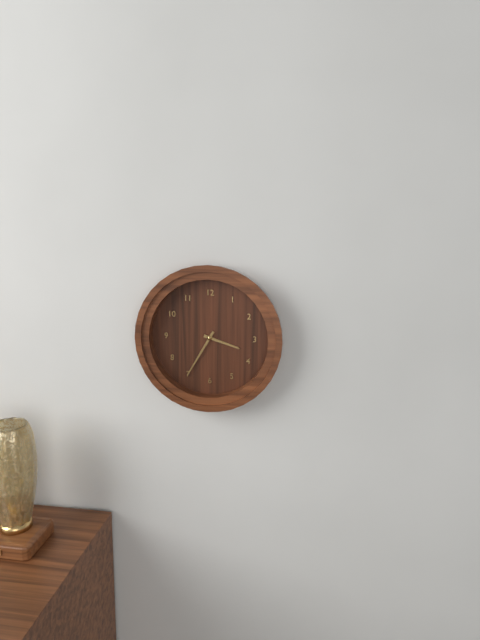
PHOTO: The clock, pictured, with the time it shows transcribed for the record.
3:35
